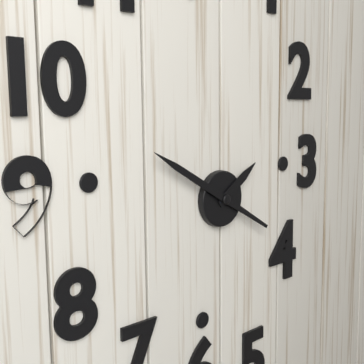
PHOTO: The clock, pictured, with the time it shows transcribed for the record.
1:50
